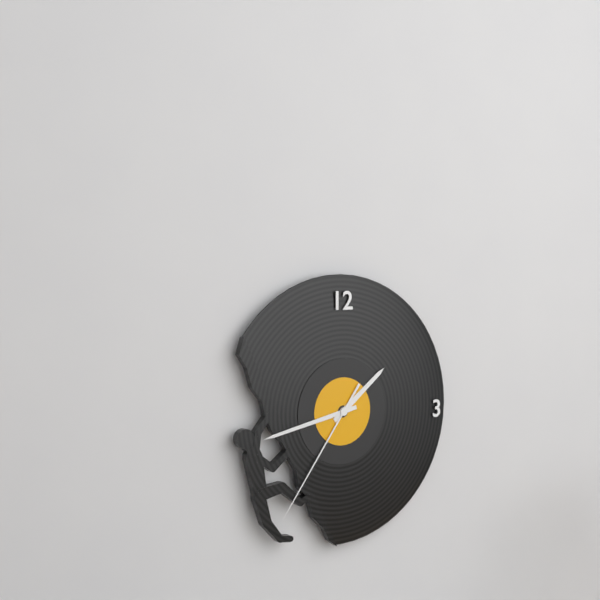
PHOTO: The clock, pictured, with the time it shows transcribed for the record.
1:43:36
